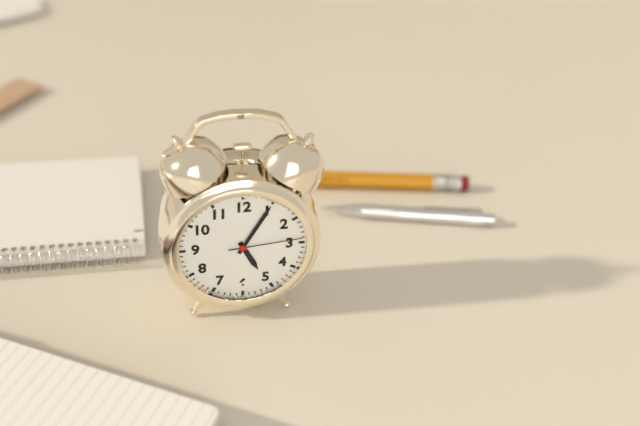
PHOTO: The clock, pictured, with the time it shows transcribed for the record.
5:05:14
